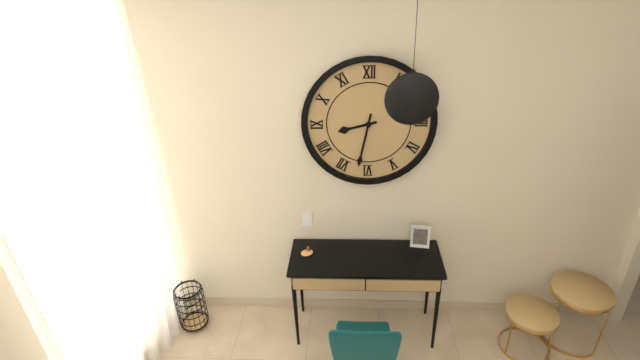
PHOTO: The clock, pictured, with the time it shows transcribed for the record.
8:32
